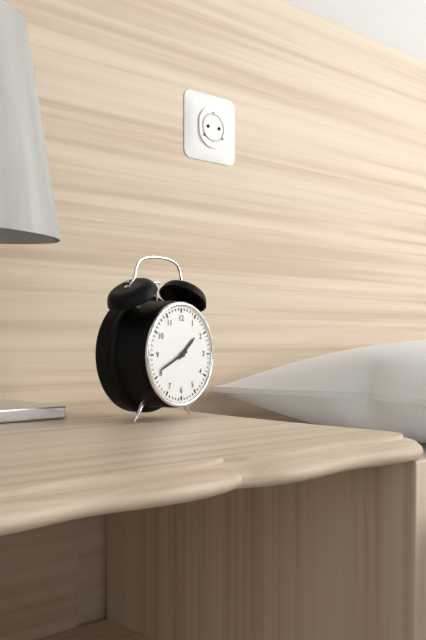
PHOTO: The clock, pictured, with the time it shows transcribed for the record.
1:41
